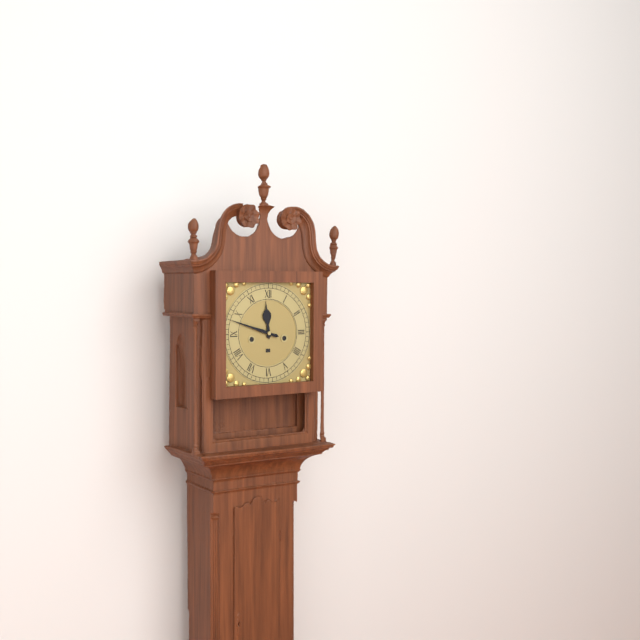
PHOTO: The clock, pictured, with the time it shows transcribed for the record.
11:48
